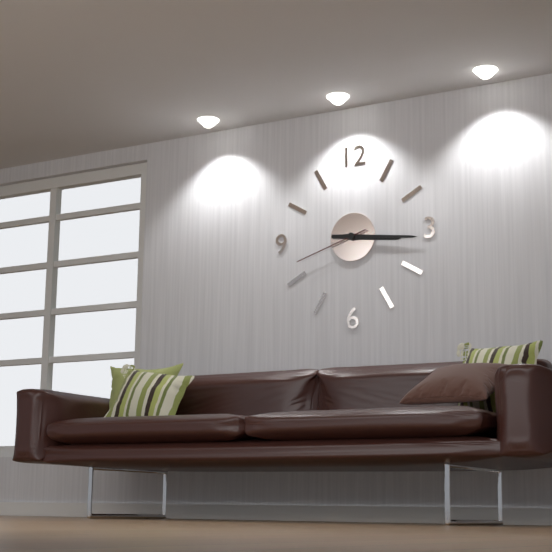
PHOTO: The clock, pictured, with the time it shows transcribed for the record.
3:16:42
